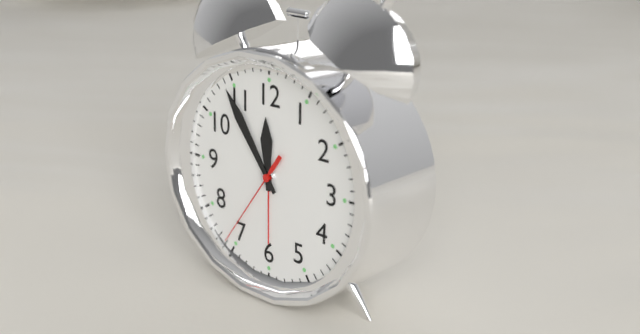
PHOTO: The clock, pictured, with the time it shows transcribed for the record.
11:54:36
